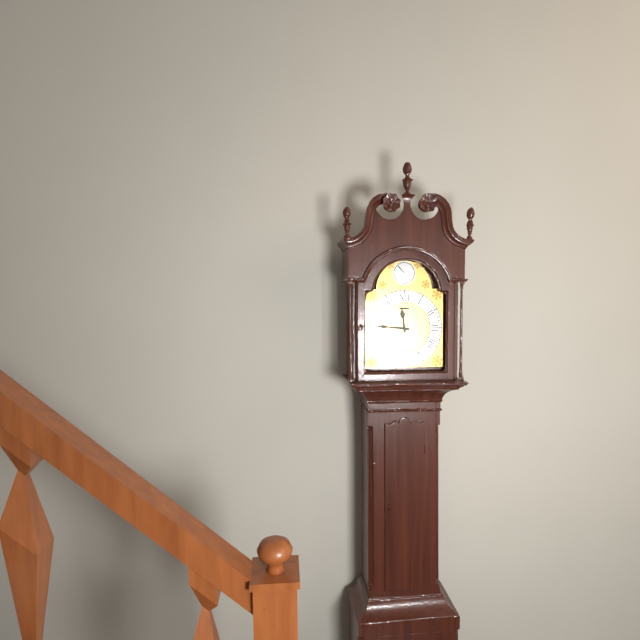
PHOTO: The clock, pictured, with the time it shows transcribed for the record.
11:46
